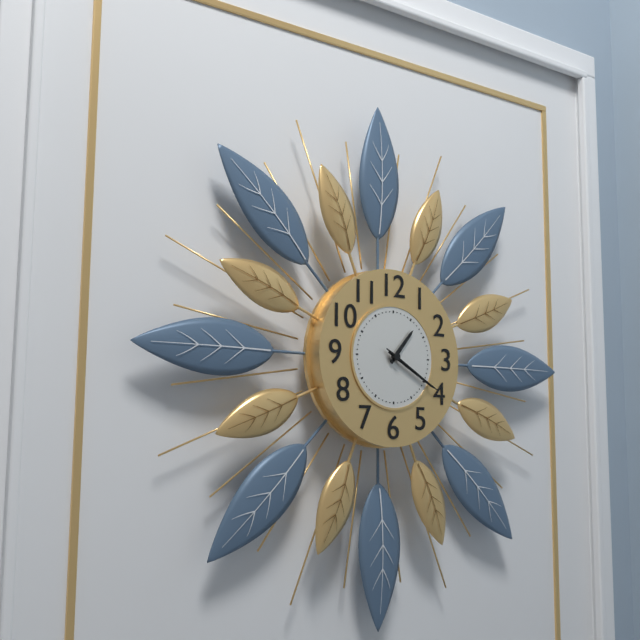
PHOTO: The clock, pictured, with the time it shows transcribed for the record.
1:20:20
